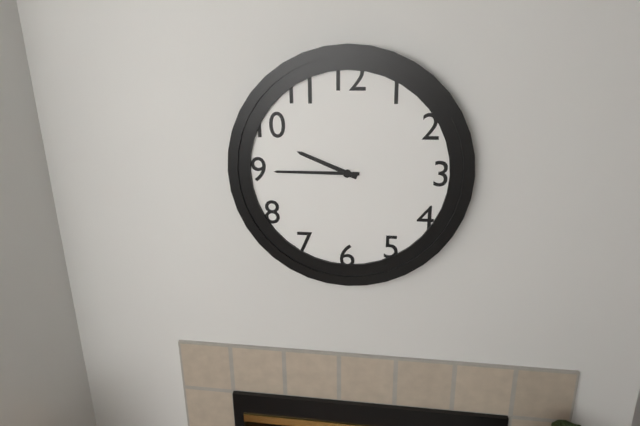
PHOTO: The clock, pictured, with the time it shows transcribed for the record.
9:45
